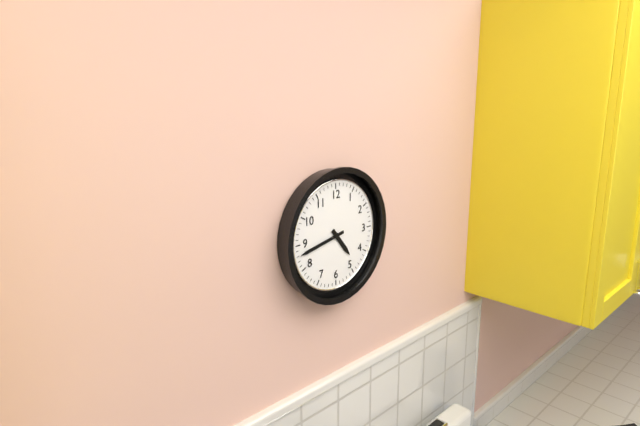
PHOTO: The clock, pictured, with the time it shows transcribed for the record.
4:43
